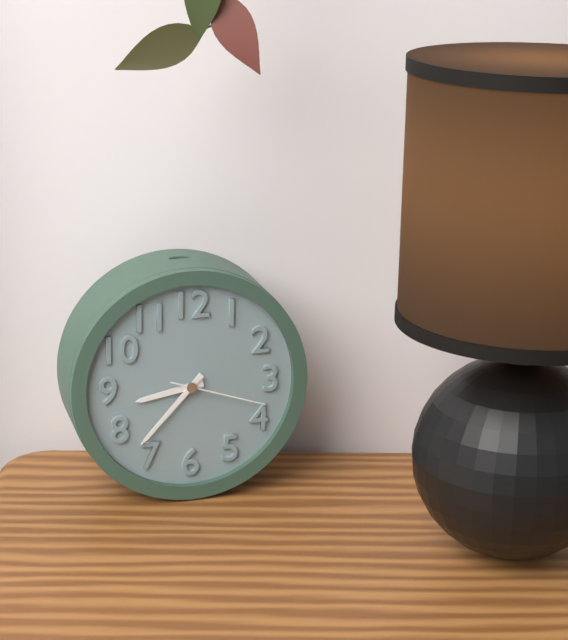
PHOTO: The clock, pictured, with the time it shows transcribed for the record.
8:37:18
